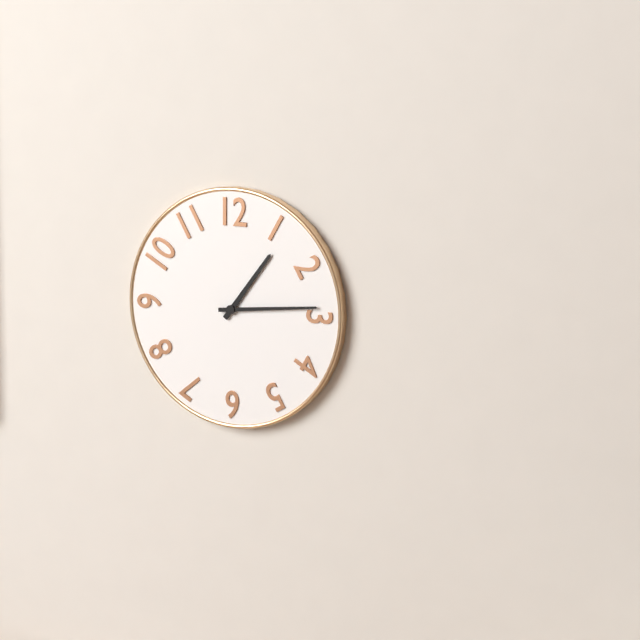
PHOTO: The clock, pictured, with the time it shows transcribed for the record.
1:14
